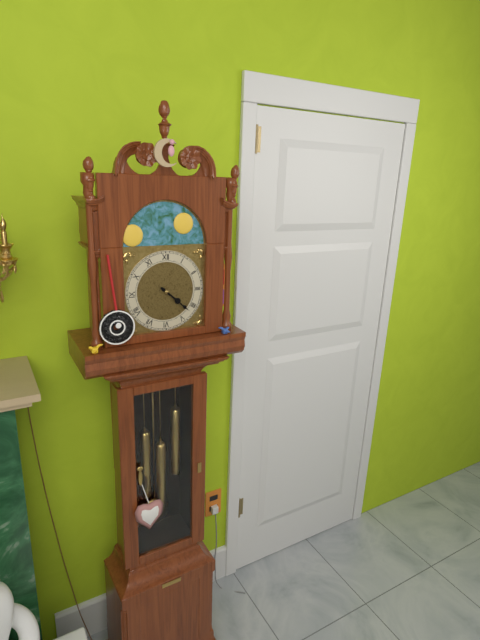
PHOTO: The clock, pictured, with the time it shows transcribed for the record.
4:22
